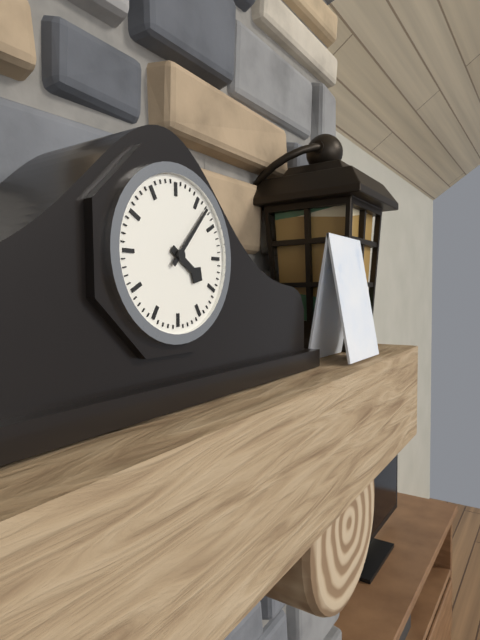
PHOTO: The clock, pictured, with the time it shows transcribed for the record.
4:07
